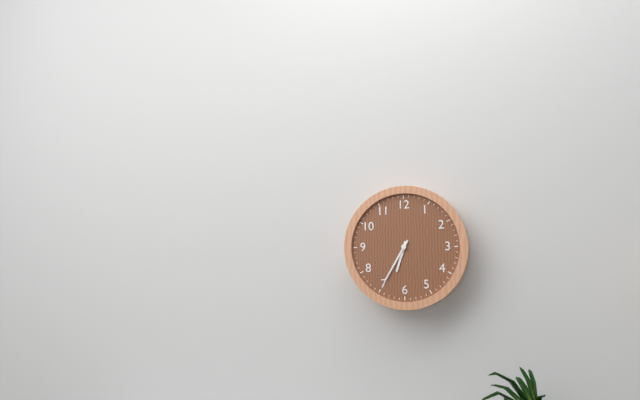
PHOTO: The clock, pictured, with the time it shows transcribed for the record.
6:35
